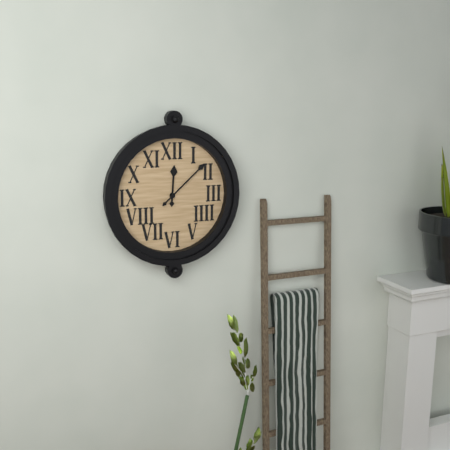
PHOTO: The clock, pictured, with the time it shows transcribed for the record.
12:08
